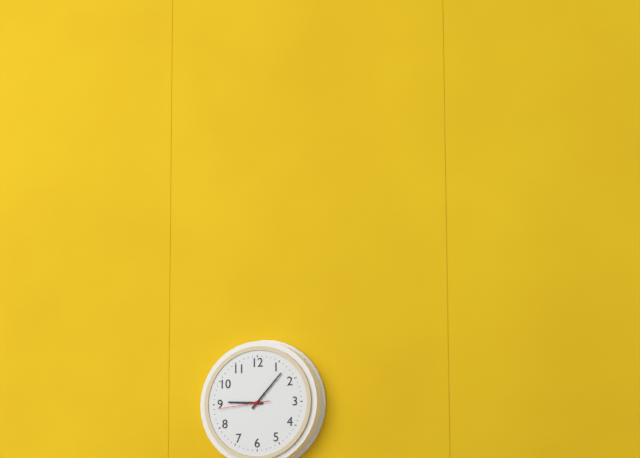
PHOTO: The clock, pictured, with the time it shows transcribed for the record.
9:07:44
